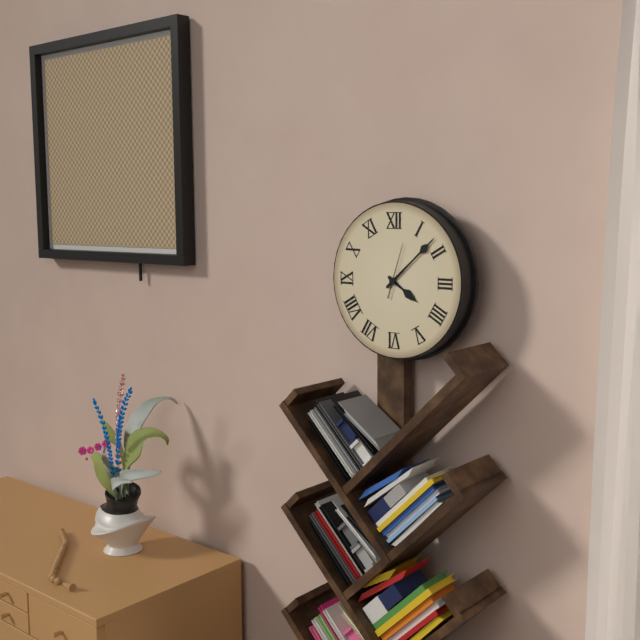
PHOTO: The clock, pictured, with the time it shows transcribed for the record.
4:08:03
